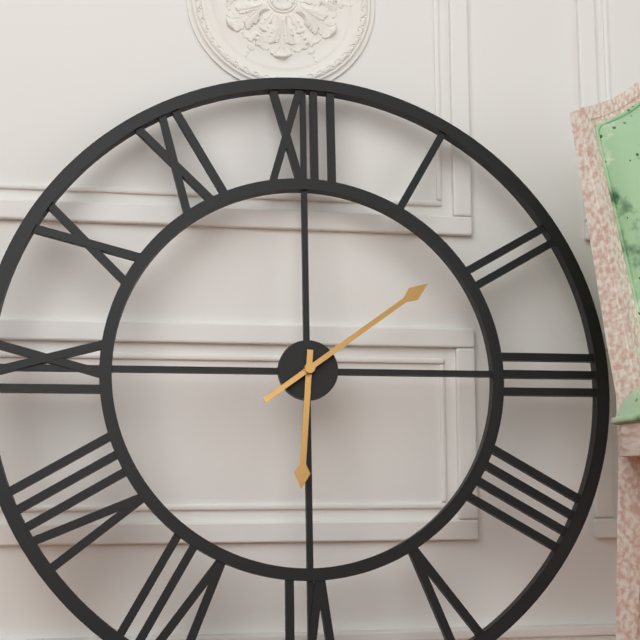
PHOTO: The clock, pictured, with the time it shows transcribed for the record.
6:09
